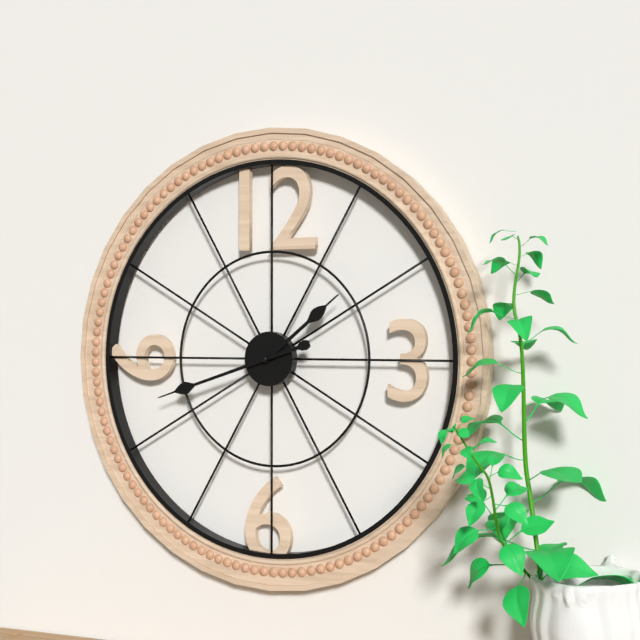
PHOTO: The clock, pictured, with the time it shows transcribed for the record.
1:42
